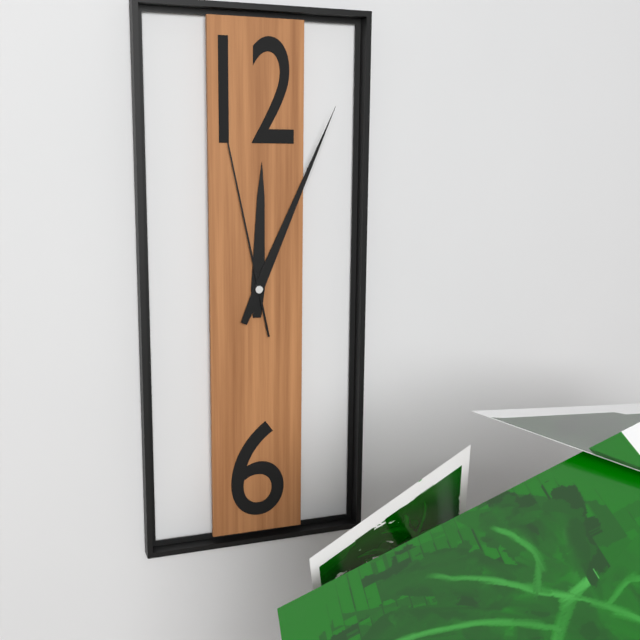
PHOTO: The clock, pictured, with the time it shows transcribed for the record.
12:04:58
